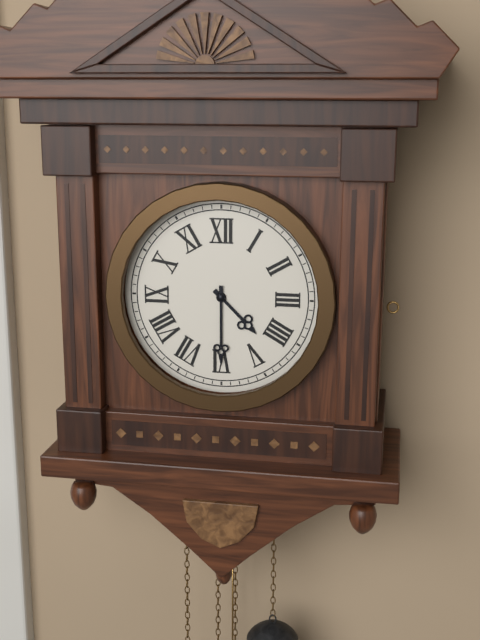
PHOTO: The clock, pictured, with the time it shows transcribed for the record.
4:30
